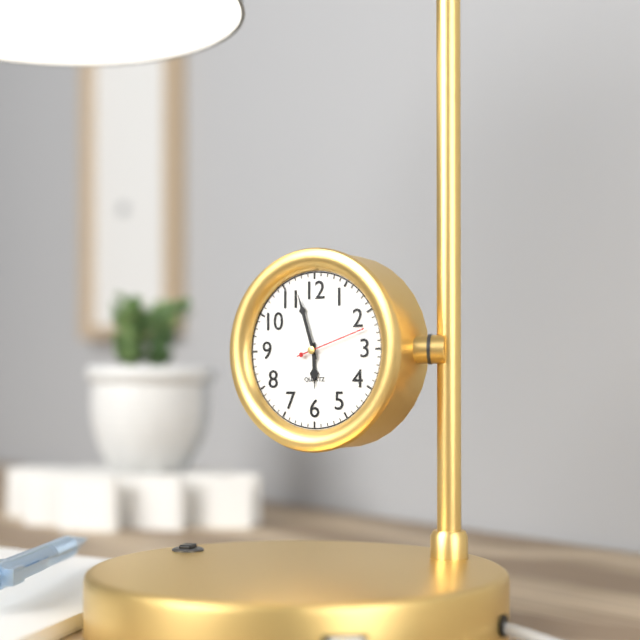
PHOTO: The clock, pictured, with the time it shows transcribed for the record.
5:57:12
